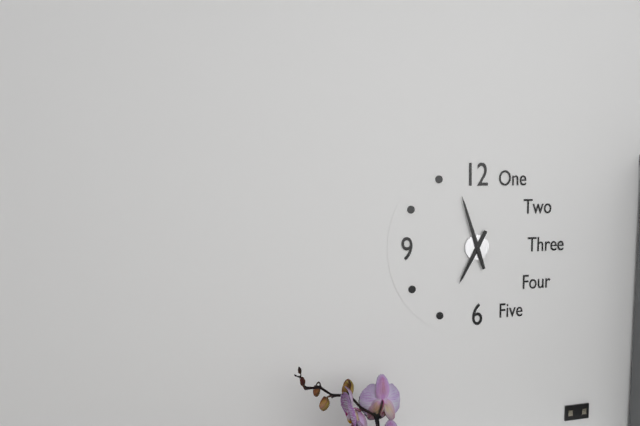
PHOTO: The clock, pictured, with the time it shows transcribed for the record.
6:57
